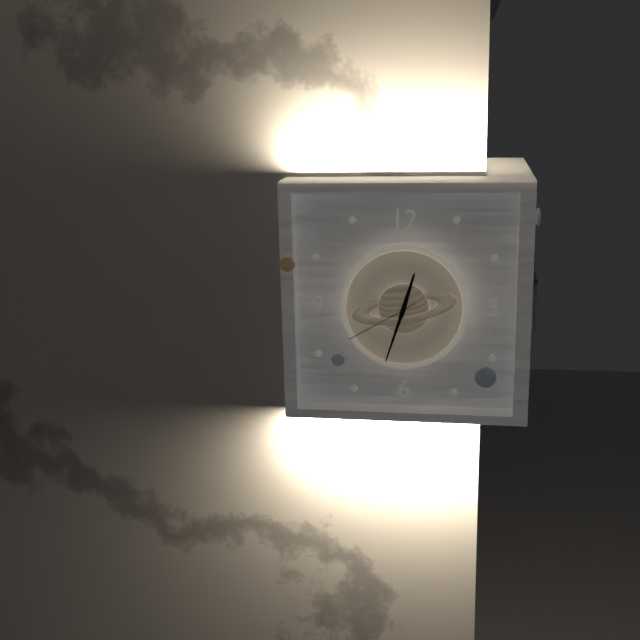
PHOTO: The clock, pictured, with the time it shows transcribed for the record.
12:33:40
